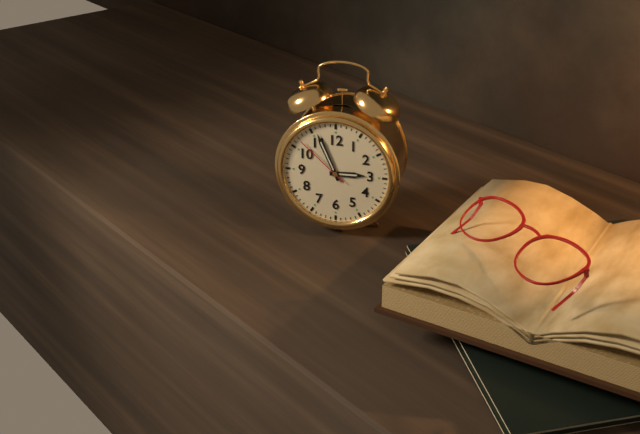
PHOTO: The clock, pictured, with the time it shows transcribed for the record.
2:56:52
